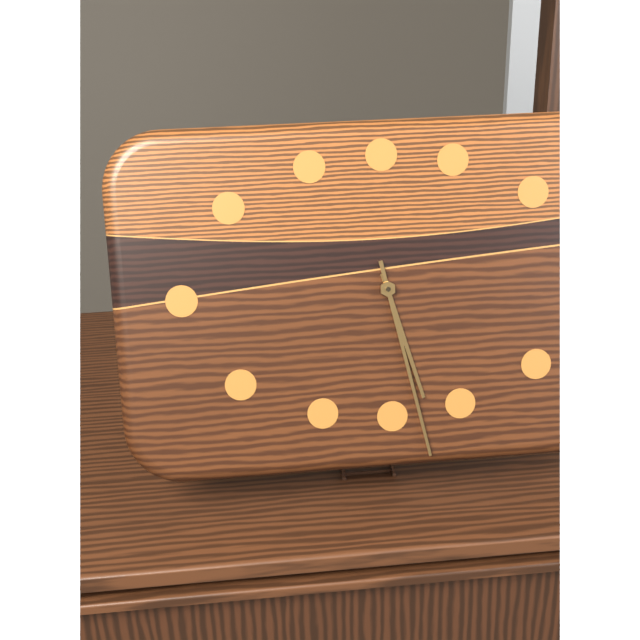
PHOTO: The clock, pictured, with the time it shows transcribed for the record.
5:28
